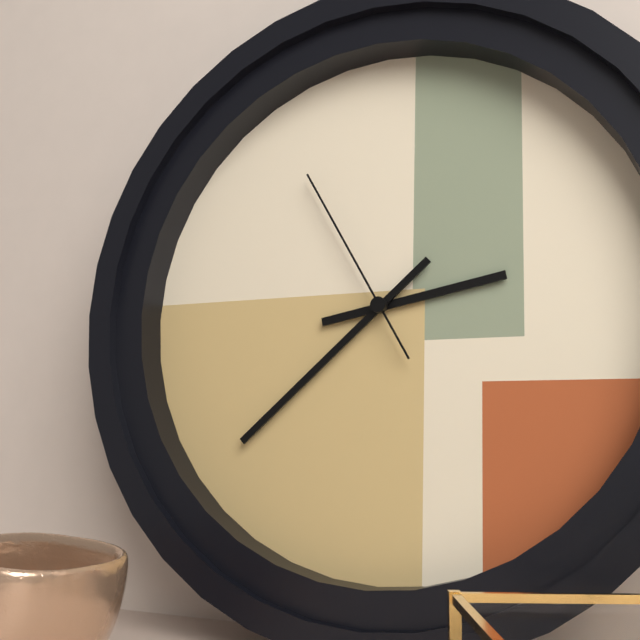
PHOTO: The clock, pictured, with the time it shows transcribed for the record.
2:38:55
